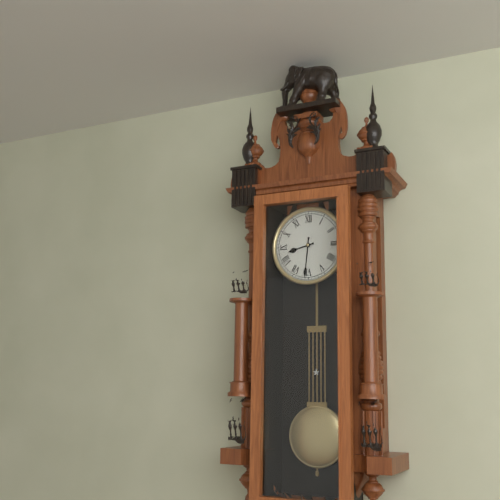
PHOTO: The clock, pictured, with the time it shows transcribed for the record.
8:31
